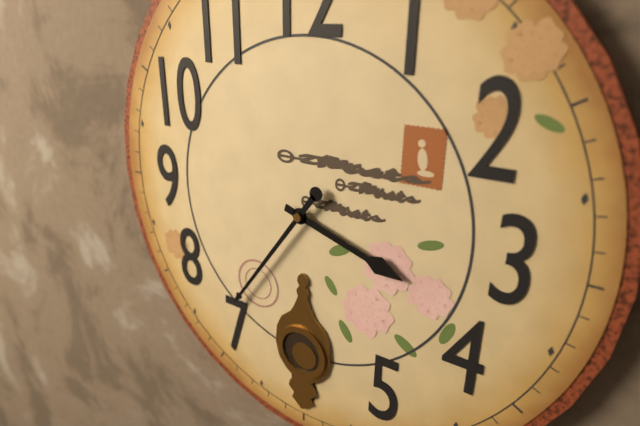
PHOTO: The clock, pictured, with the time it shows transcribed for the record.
3:36
